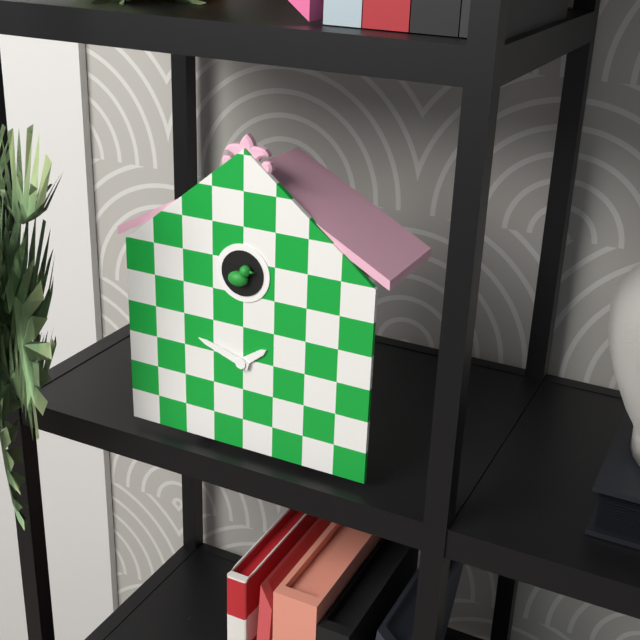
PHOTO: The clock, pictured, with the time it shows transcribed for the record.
1:48
